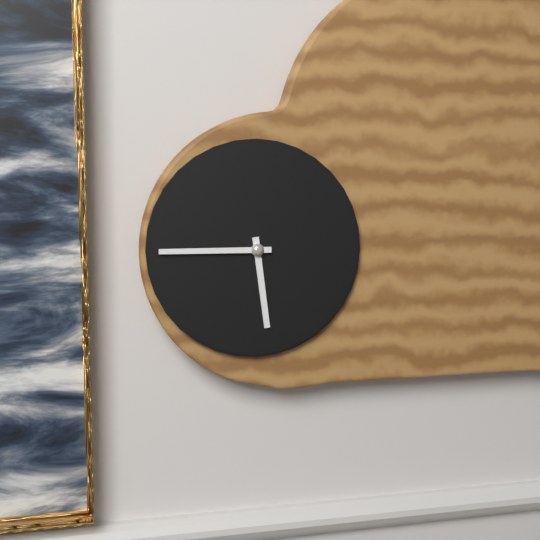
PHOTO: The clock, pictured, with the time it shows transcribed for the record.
5:45
